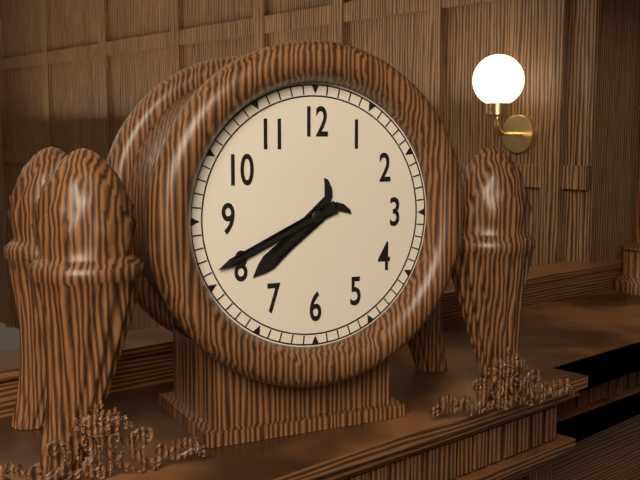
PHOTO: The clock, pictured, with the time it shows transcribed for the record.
7:41
